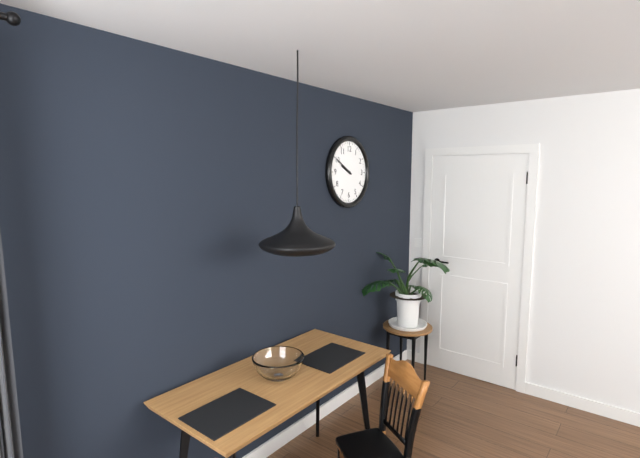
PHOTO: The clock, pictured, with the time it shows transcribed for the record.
9:50
